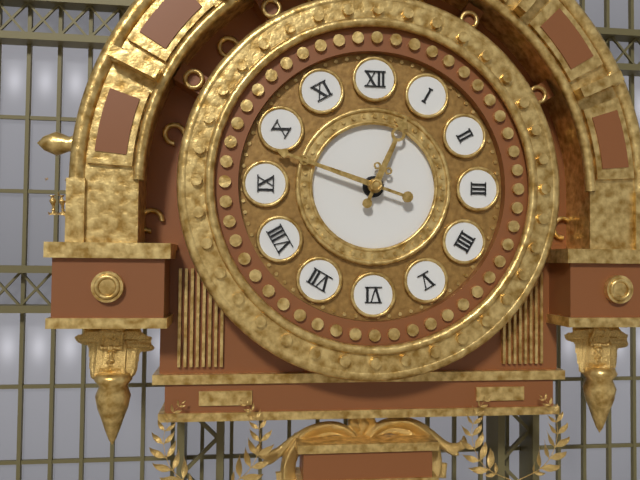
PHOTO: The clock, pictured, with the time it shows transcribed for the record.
12:48
